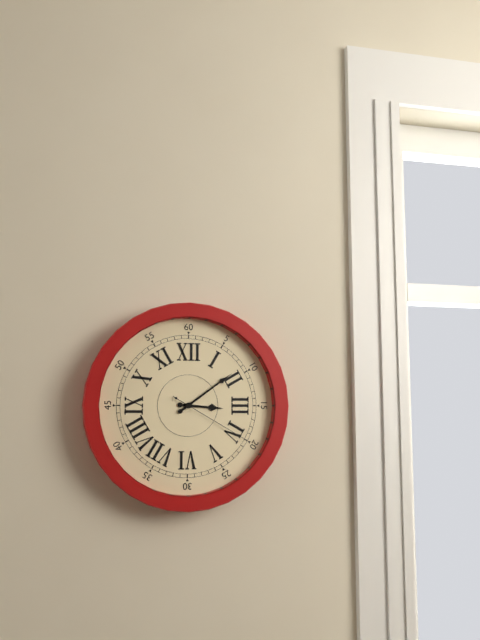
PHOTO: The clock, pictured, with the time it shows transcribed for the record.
3:09:20
